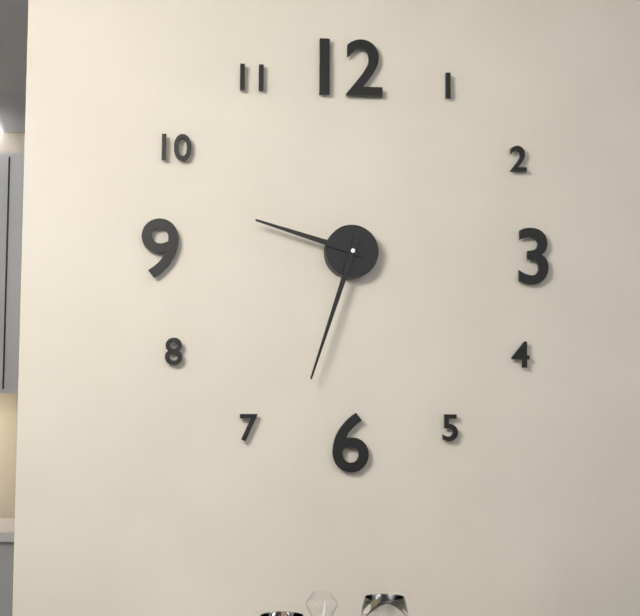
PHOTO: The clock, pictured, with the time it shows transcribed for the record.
9:33
